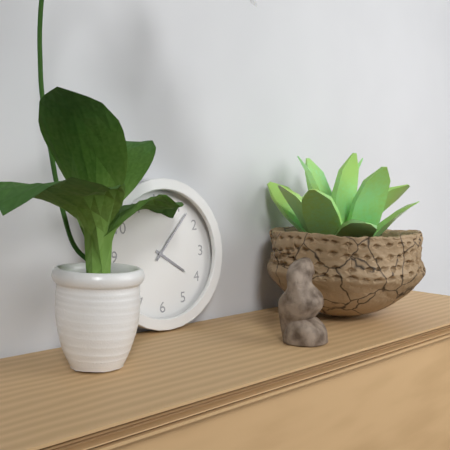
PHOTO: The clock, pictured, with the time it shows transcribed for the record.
4:07
